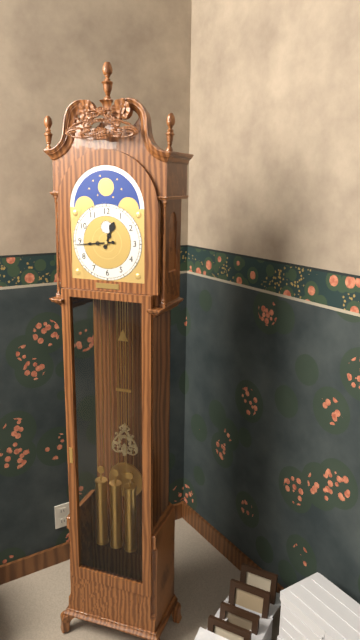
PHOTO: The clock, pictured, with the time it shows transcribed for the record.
12:44
